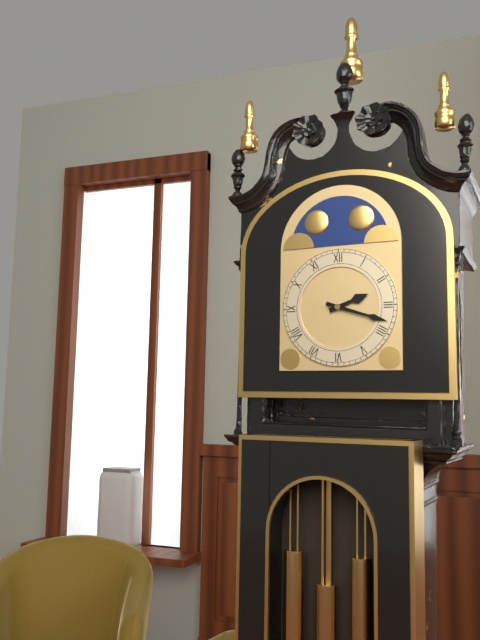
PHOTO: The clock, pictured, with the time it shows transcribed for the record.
2:18
